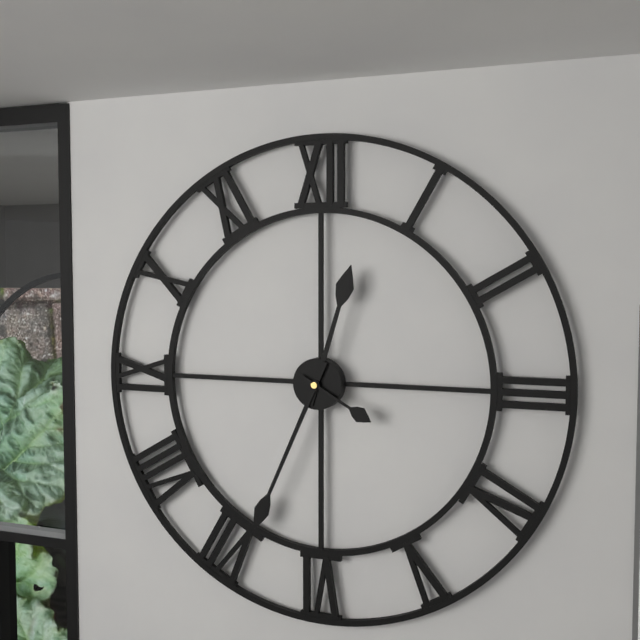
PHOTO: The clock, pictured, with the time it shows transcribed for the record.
12:34:20
